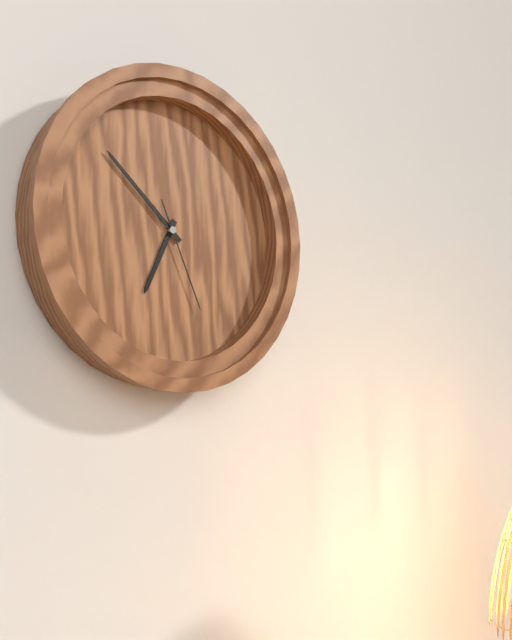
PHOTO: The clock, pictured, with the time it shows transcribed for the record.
6:52:26
